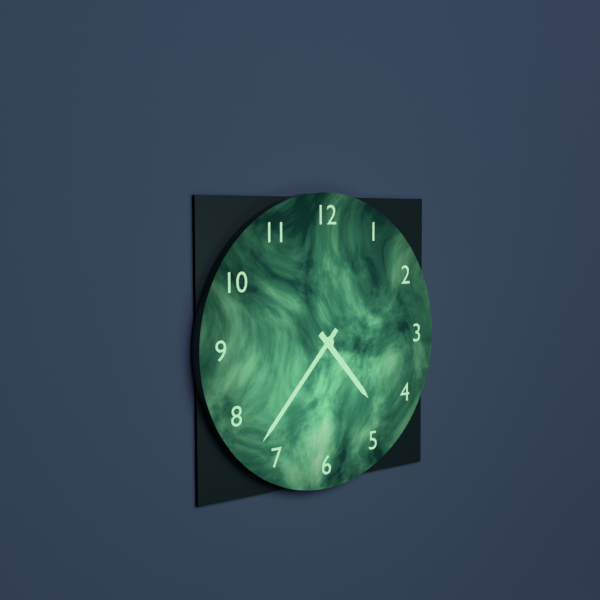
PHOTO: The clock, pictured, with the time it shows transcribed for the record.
4:37
